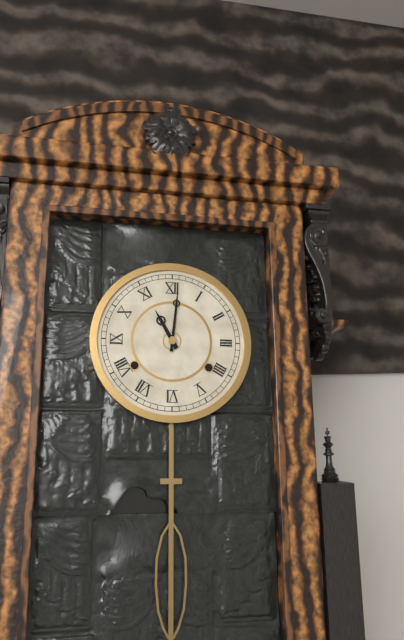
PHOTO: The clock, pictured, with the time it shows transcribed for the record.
11:01
